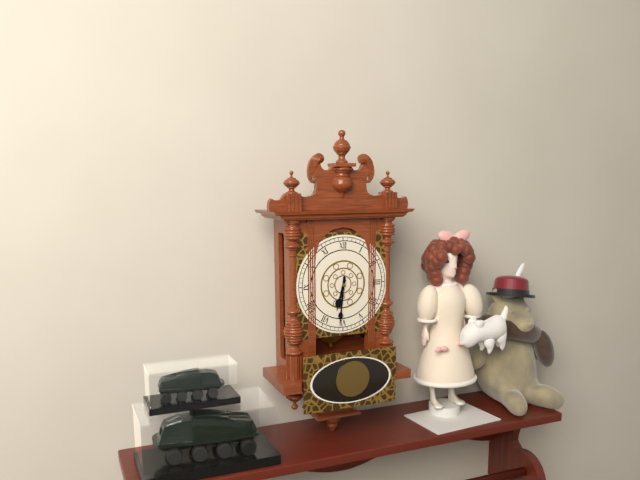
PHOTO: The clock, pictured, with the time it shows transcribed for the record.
6:31
